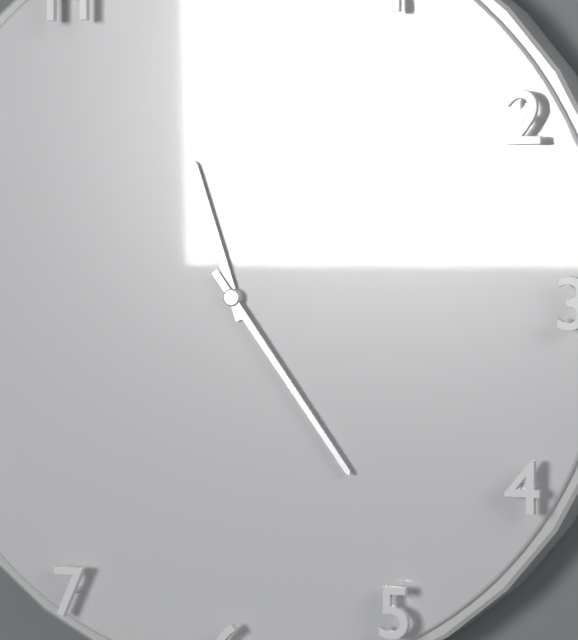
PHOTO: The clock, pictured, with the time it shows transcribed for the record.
11:24
